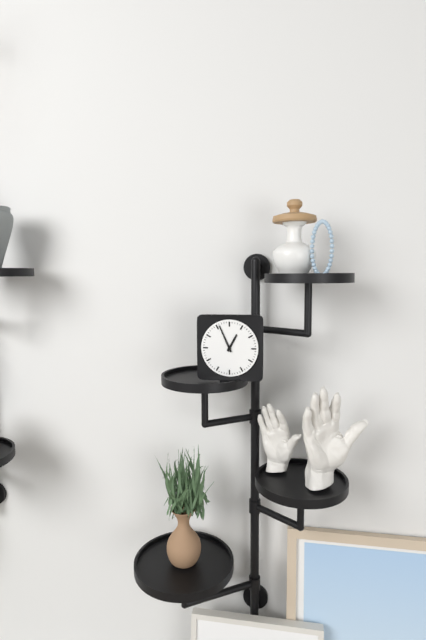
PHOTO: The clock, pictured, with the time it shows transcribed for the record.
12:56
